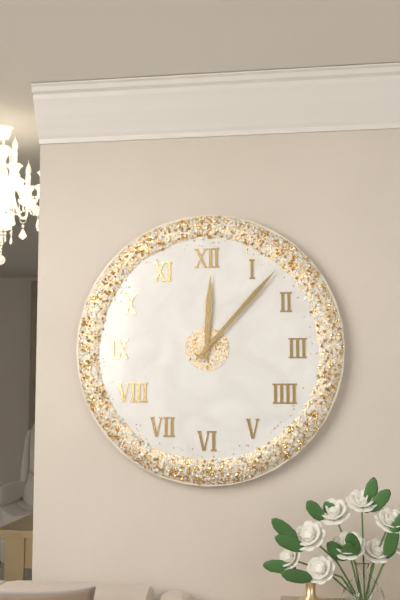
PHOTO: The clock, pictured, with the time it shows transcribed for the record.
12:07
